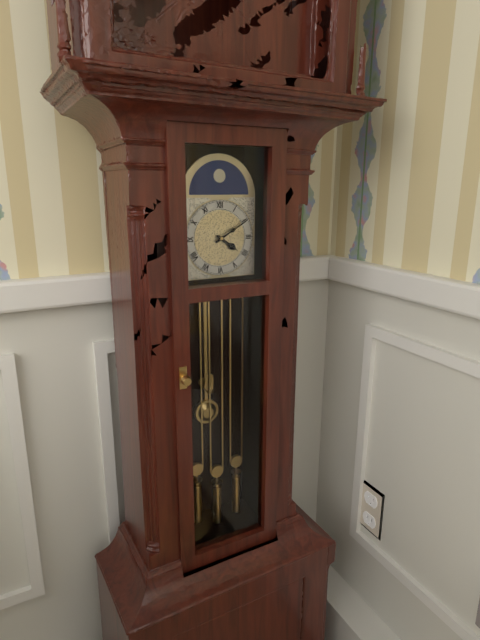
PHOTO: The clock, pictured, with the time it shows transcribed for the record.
4:10
